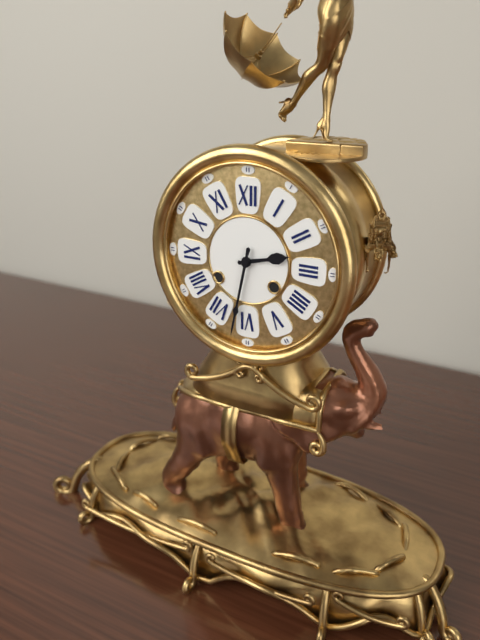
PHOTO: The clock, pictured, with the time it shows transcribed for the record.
2:32
